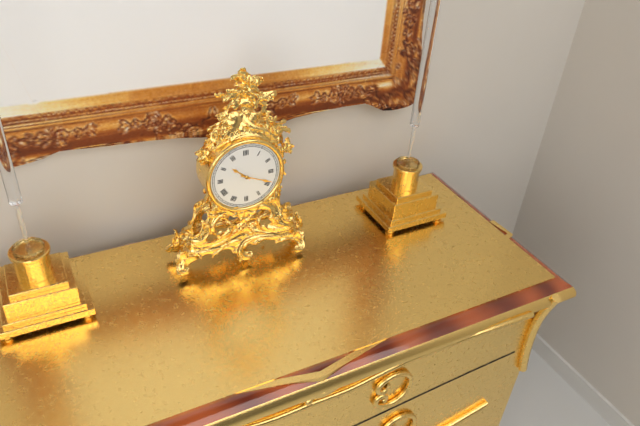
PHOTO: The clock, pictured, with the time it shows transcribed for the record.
10:19
